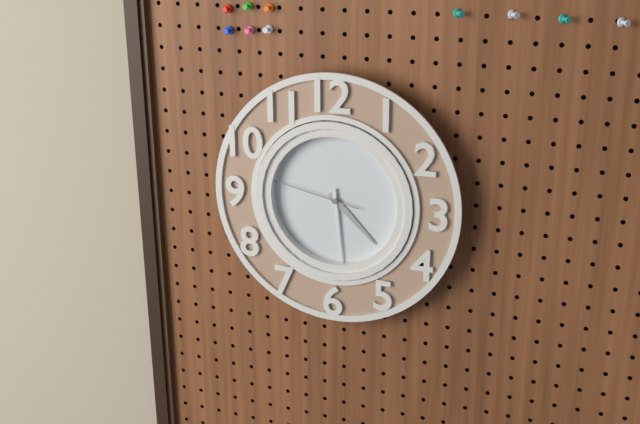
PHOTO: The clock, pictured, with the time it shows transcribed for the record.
4:29:47
